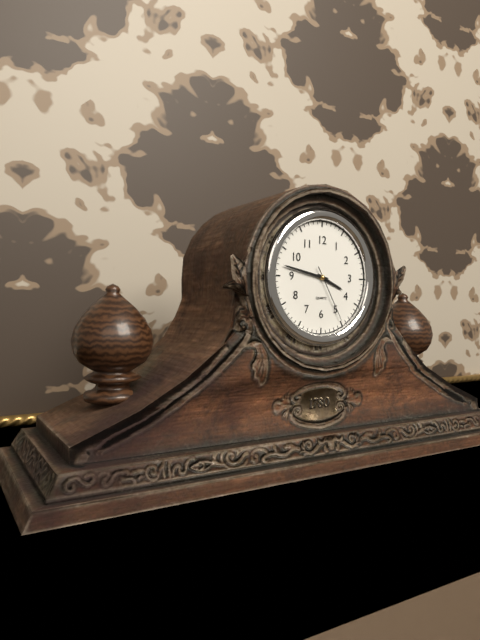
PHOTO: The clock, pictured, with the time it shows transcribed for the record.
3:47:25
